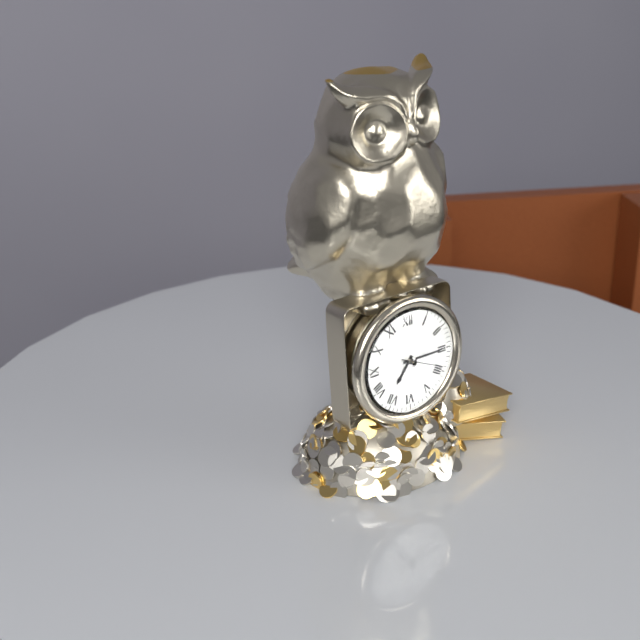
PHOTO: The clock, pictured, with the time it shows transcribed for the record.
7:15:19
